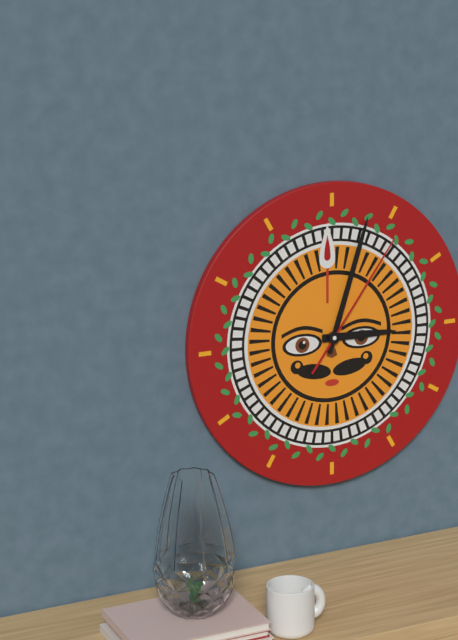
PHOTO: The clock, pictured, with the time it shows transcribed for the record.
3:03:06
